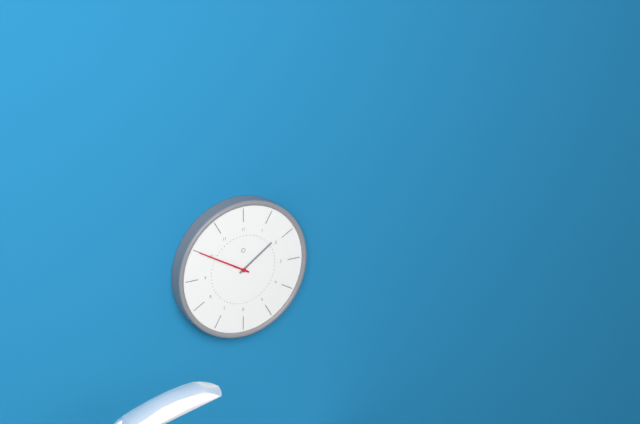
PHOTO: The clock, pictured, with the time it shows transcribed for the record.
1:50
